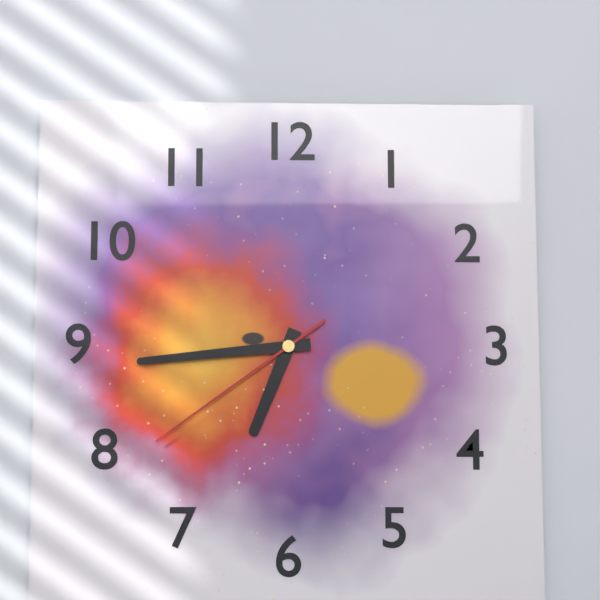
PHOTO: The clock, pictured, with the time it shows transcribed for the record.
6:44:39
